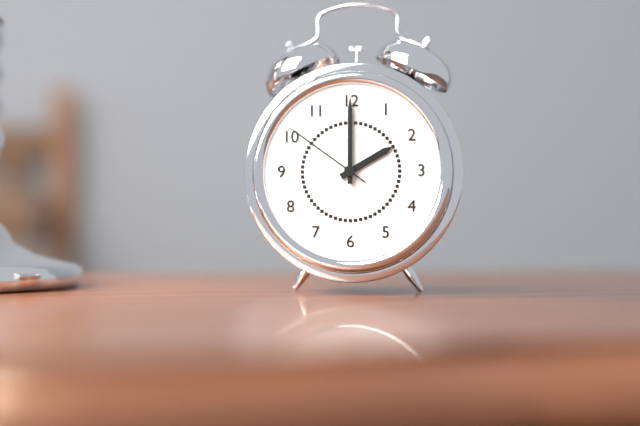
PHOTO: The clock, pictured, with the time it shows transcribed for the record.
2:00:51
